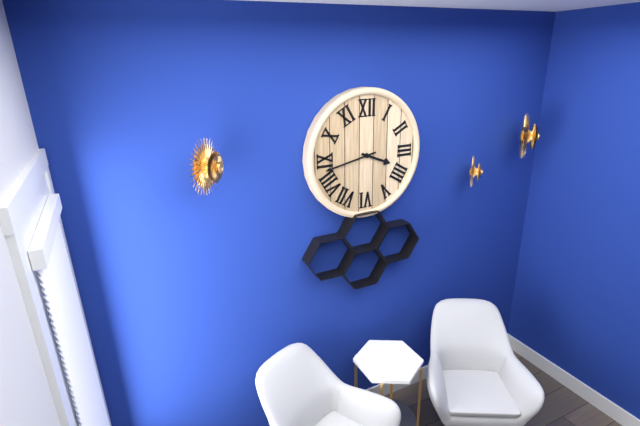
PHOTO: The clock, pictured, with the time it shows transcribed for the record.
3:43
